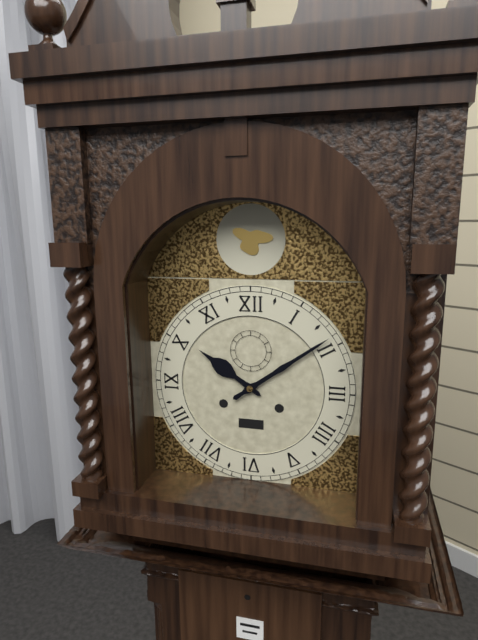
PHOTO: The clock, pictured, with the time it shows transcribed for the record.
10:09
